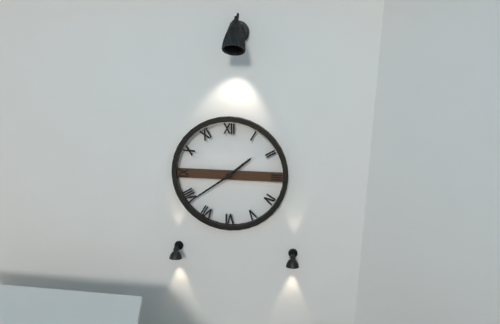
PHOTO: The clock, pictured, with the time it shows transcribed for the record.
1:39
